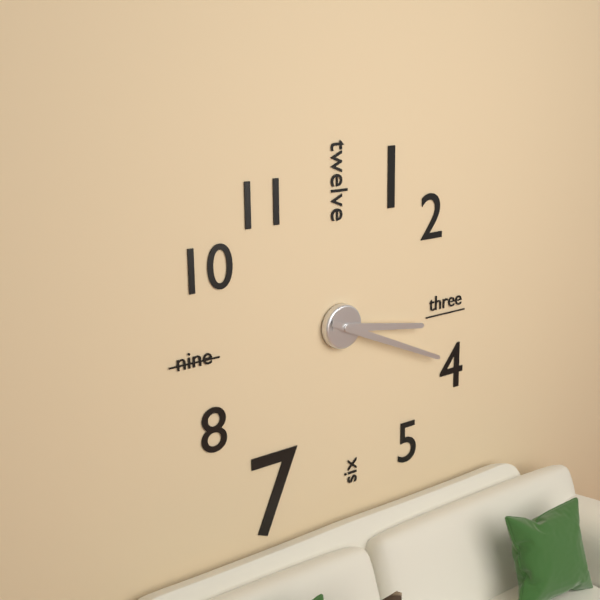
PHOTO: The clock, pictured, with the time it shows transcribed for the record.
3:19
